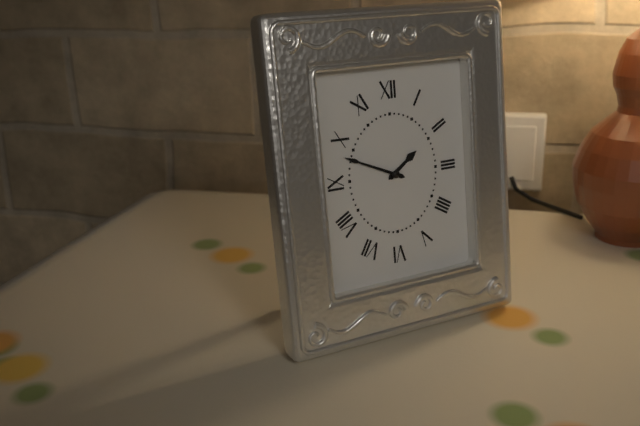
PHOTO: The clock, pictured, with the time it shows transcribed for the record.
1:49
